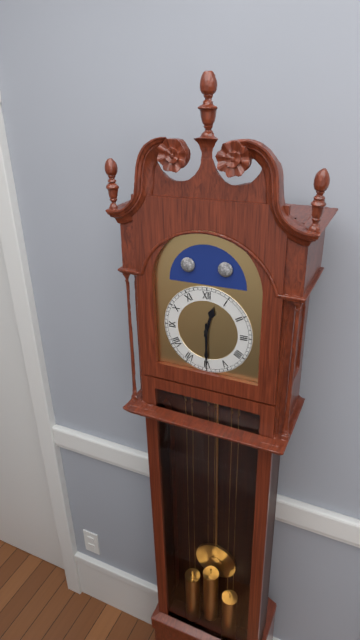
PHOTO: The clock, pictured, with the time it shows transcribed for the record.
12:30
